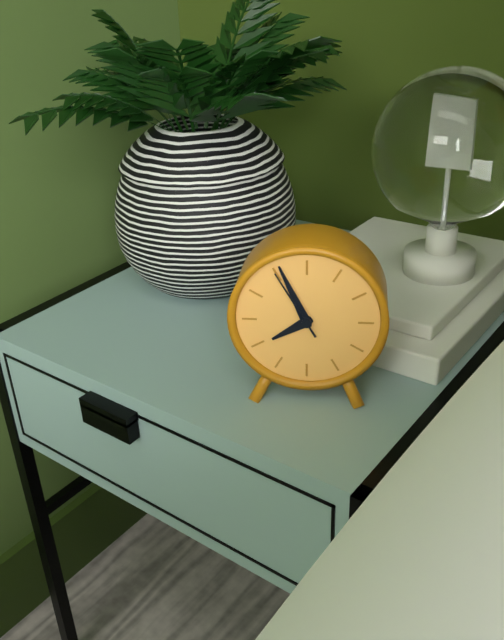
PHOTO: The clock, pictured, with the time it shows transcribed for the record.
7:56:55
